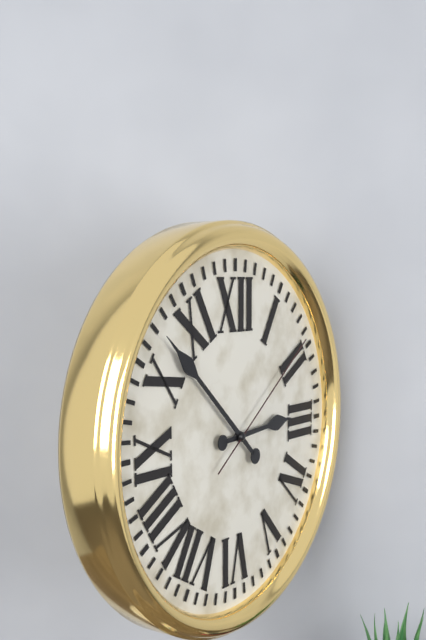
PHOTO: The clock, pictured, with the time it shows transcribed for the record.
2:52:09
